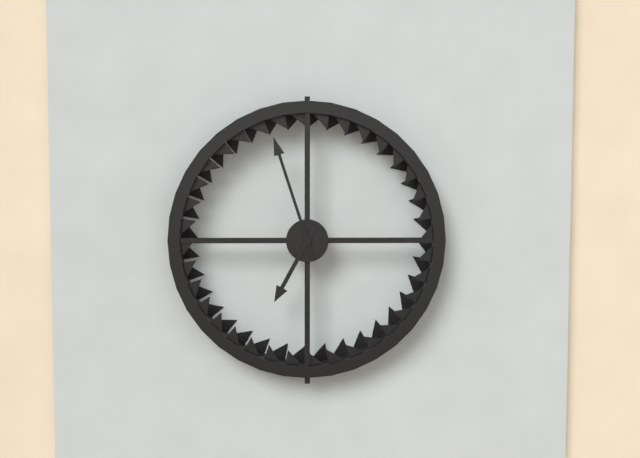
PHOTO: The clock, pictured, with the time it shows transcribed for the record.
6:57
